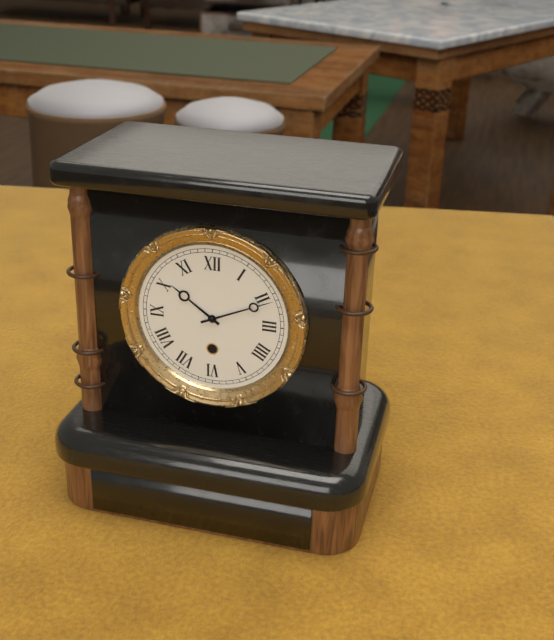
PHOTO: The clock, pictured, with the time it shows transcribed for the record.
10:11
